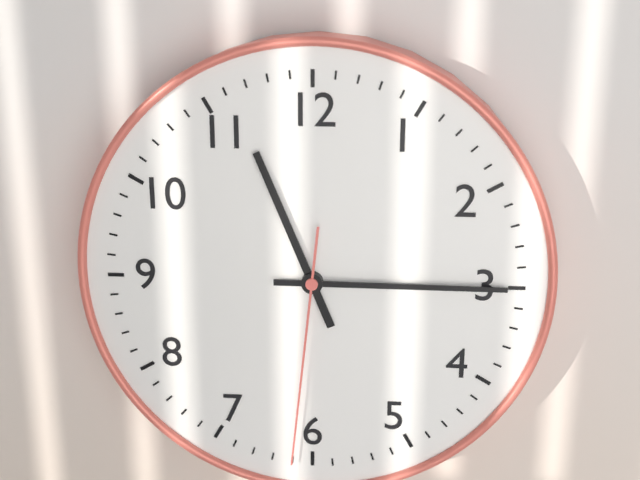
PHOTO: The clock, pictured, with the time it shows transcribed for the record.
11:15:31
